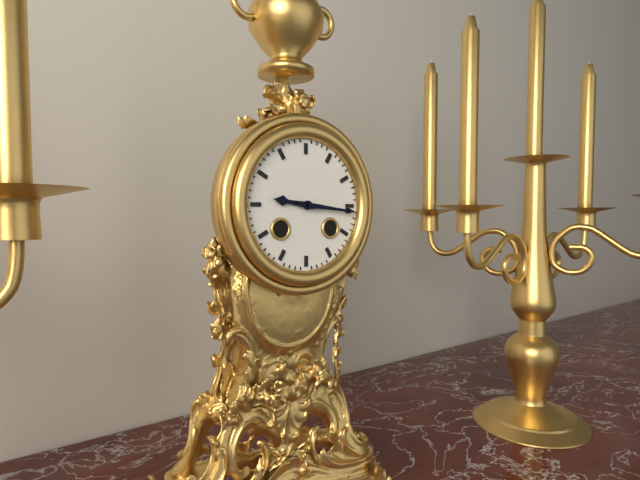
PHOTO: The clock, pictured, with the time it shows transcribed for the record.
9:16
